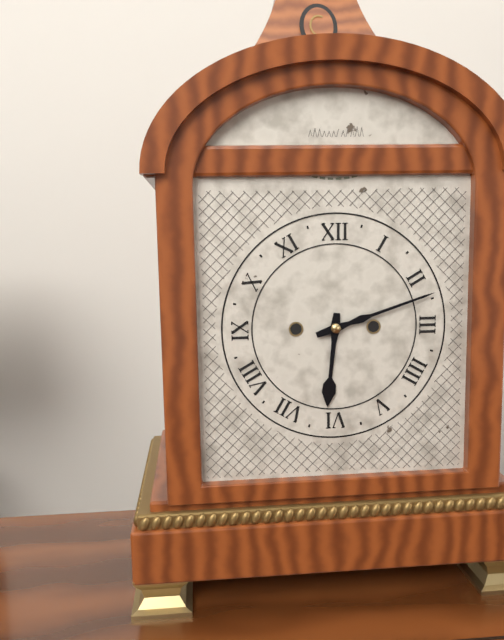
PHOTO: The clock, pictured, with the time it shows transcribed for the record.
6:12
